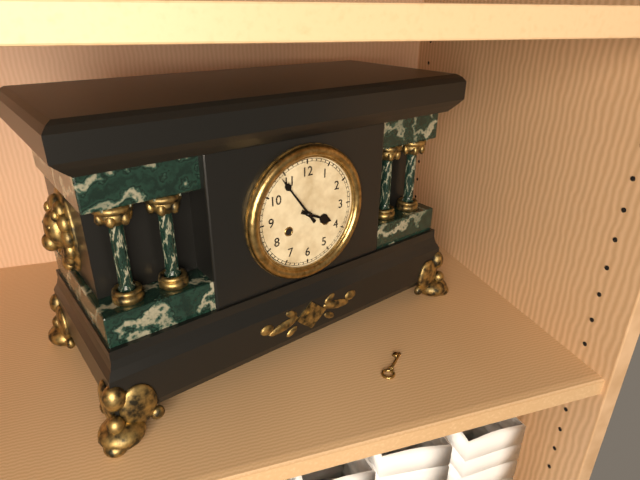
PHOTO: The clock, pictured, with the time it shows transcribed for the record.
3:54
